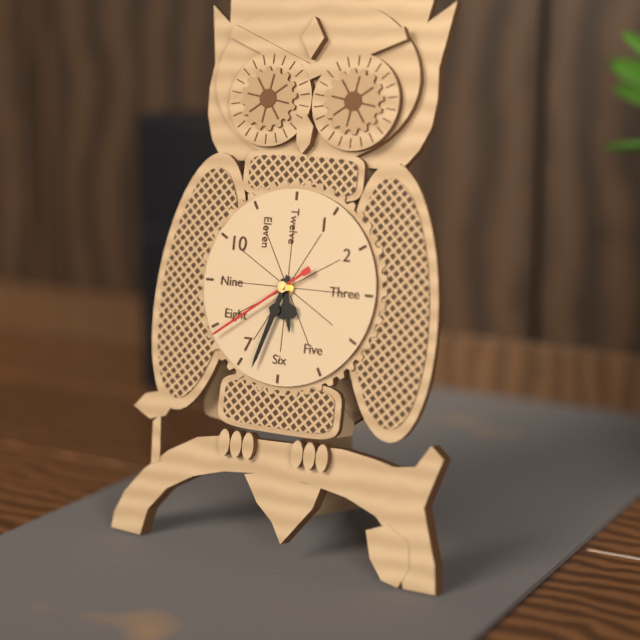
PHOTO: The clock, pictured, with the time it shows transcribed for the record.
5:33:39
